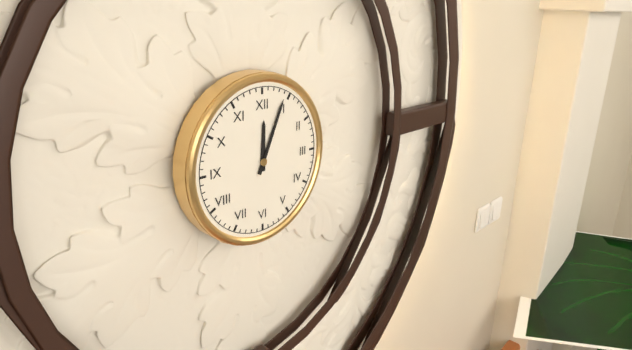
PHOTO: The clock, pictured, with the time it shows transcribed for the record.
12:04
